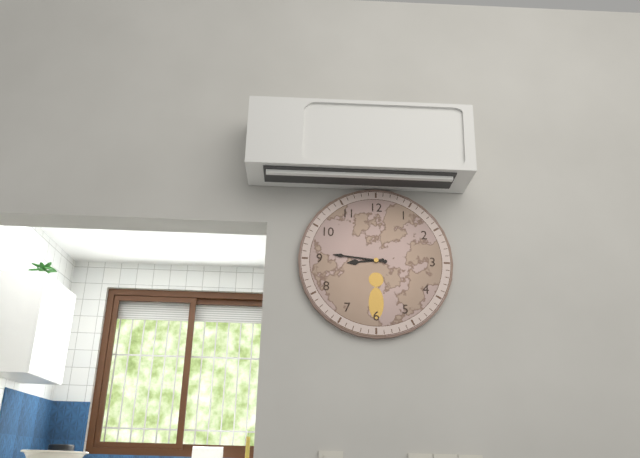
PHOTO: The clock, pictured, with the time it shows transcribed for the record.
8:46
